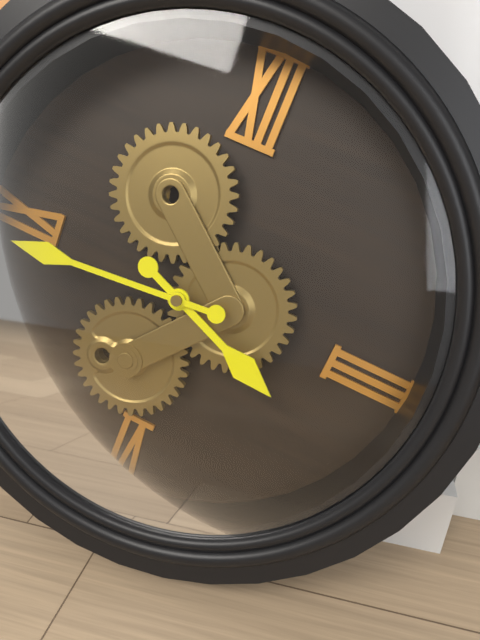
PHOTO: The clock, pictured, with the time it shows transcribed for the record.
3:44
